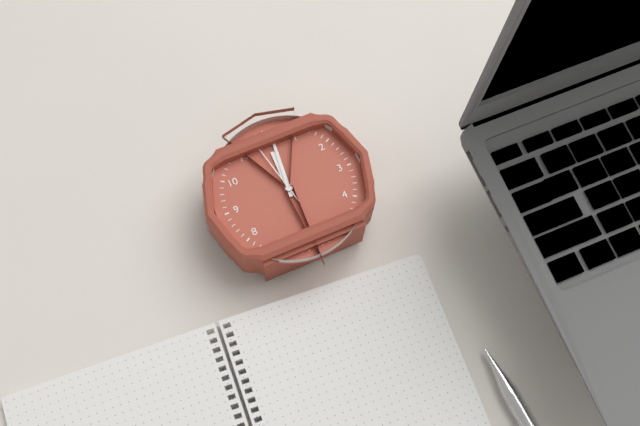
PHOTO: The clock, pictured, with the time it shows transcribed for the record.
12:01:58
